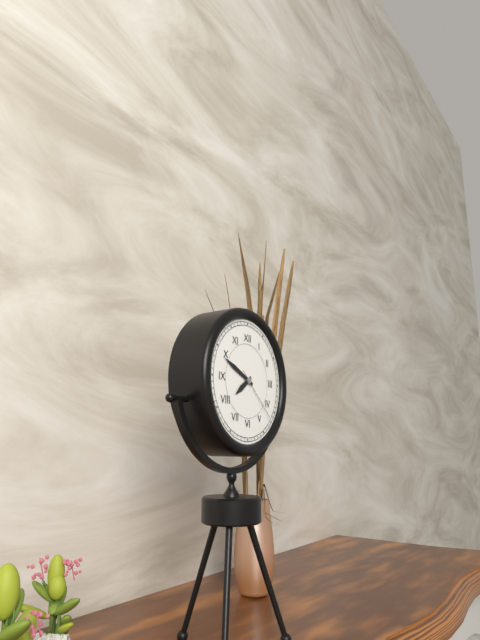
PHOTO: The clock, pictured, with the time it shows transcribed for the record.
7:49:22
